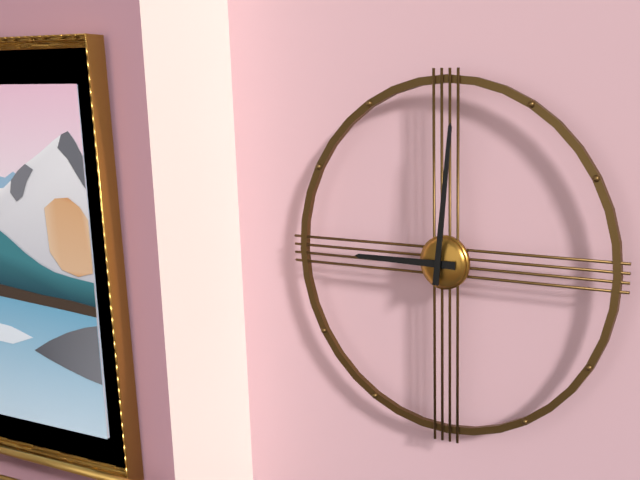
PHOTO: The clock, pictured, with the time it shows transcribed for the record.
9:01
